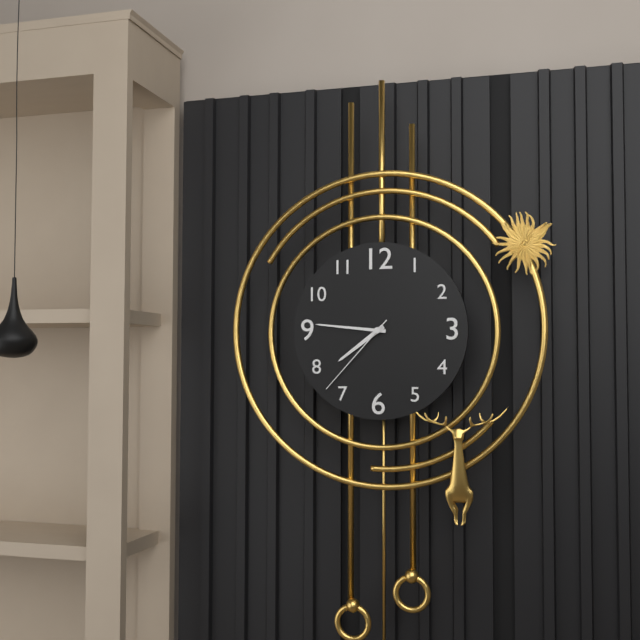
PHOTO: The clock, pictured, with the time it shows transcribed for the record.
7:46:37
